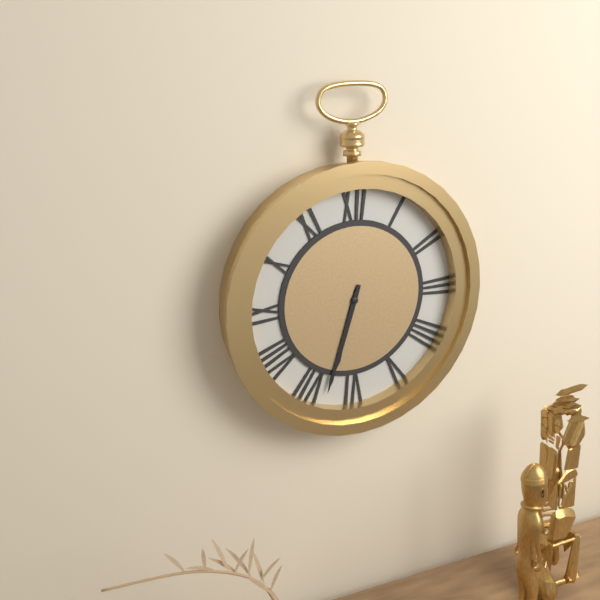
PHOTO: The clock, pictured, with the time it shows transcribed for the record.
6:33
